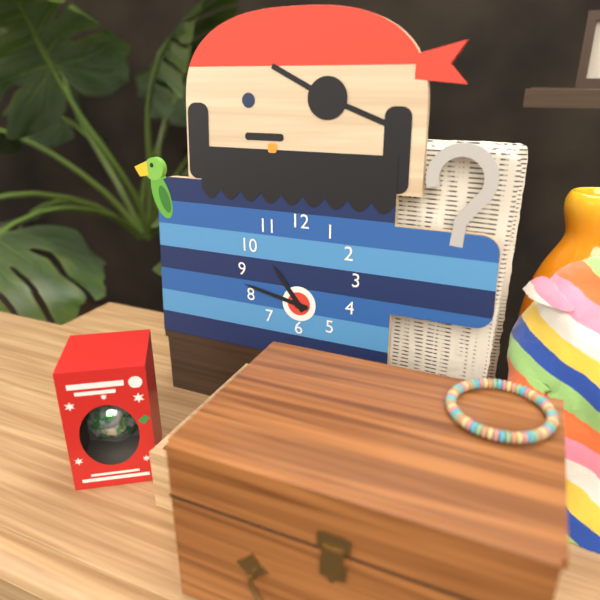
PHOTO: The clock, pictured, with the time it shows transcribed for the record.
10:47
